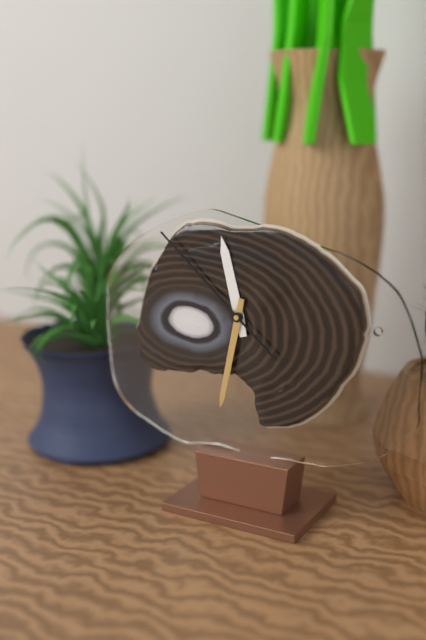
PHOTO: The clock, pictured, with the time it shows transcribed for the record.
11:32:52
